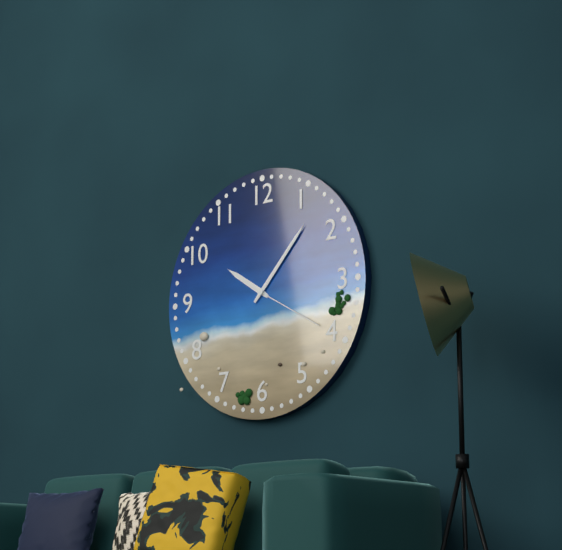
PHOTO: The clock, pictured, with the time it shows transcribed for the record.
10:07:20
